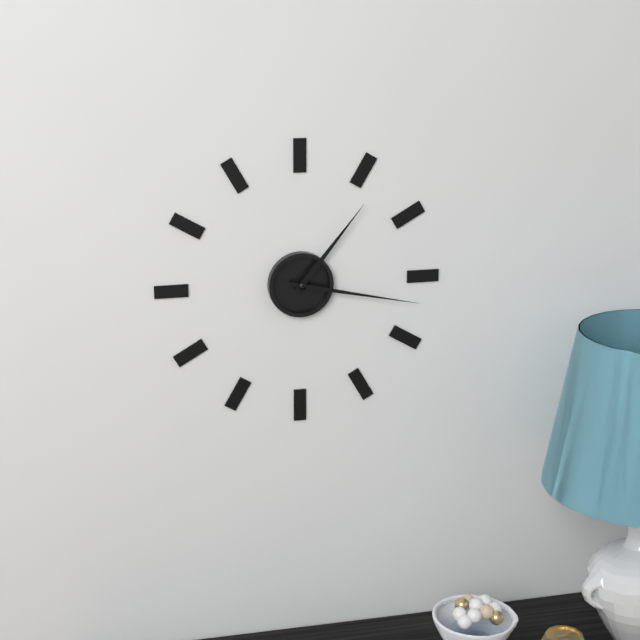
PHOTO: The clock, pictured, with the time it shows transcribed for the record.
1:17
